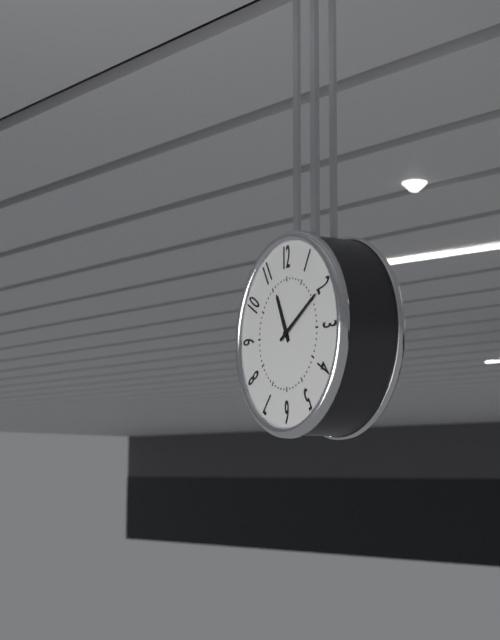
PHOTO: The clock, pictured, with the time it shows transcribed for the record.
11:10
